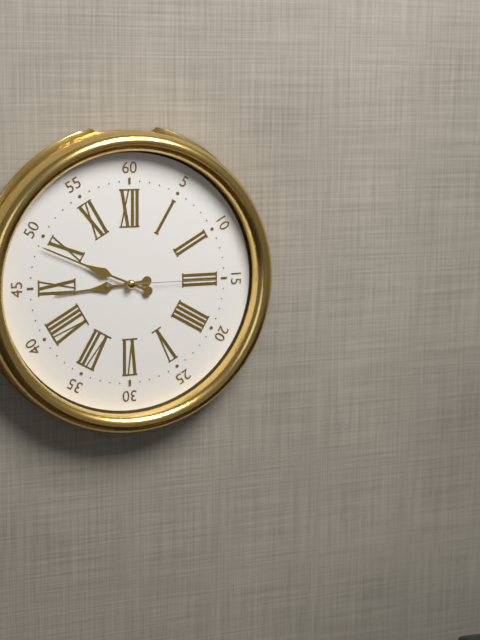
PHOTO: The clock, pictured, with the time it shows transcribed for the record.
8:49:15
